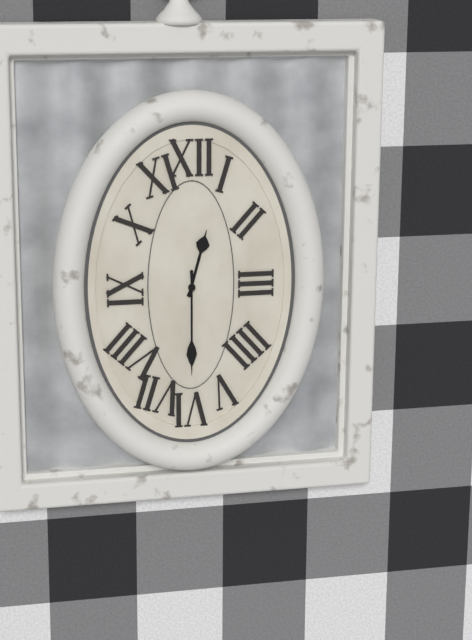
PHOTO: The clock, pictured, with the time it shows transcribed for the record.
12:30
